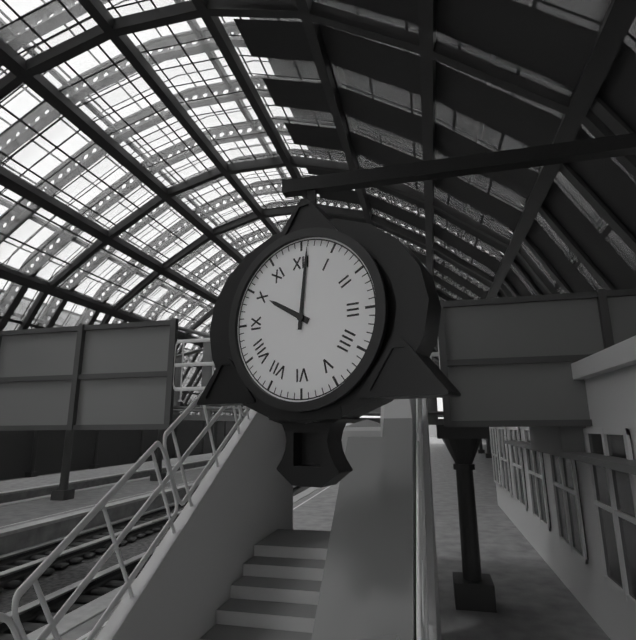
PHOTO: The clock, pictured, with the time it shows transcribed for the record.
10:01
